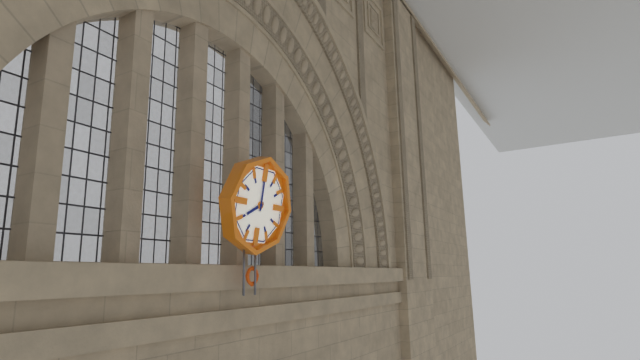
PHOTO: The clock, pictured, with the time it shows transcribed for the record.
8:00
